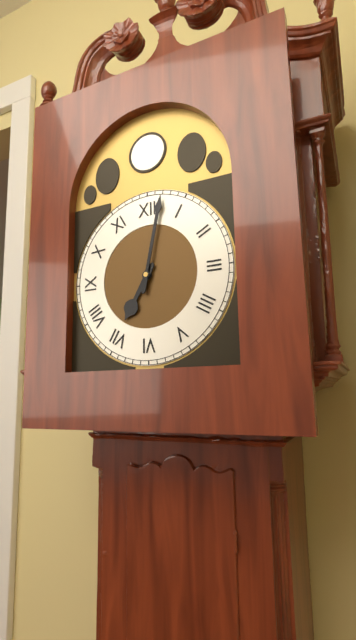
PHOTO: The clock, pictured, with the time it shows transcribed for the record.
7:02
